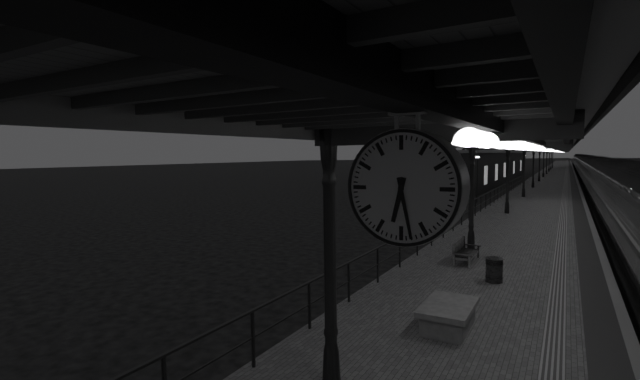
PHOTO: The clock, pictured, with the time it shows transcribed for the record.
6:28
